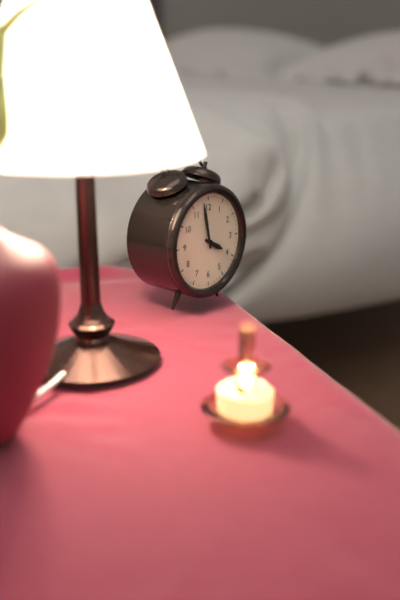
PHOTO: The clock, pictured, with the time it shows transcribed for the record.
3:58
